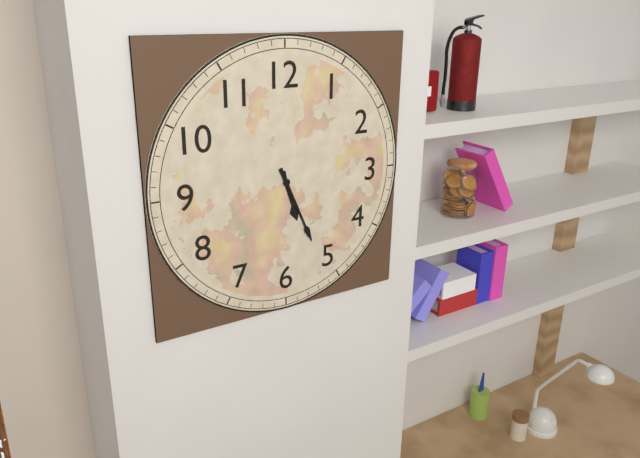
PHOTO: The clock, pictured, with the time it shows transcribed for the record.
5:26
